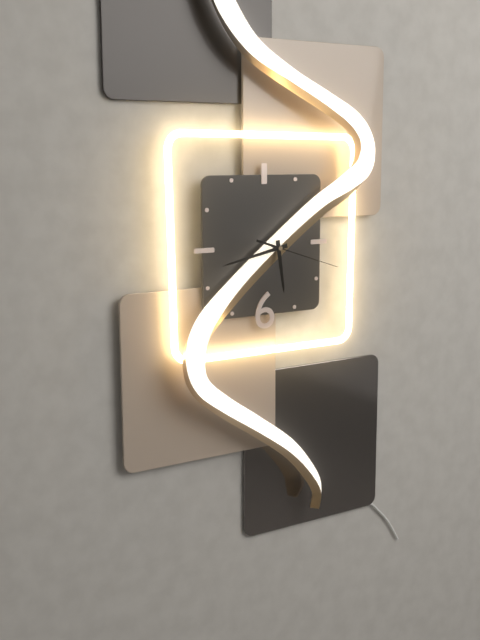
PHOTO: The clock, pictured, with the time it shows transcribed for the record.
5:43:18
